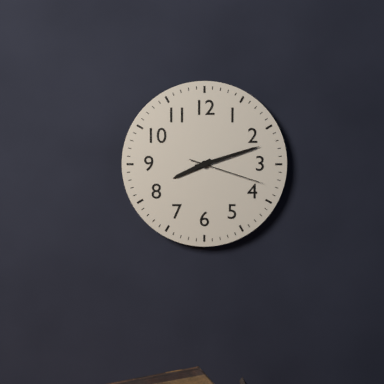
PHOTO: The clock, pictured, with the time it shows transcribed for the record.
8:12:18
